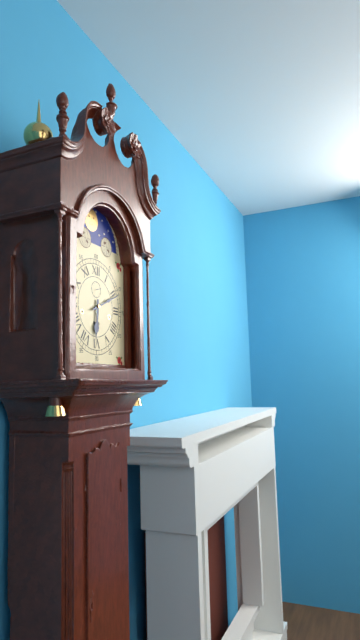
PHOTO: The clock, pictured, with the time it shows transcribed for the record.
6:11
